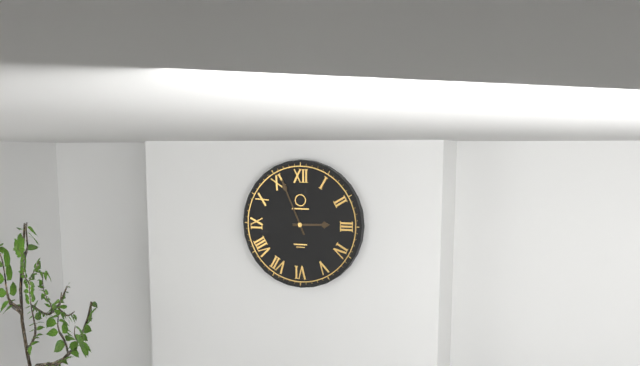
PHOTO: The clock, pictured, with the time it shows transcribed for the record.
2:56
